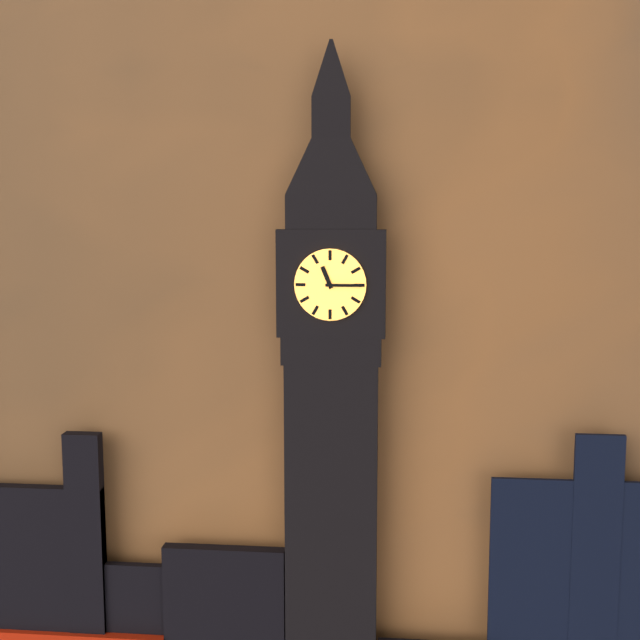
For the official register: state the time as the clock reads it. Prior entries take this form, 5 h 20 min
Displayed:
11 h 15 min
